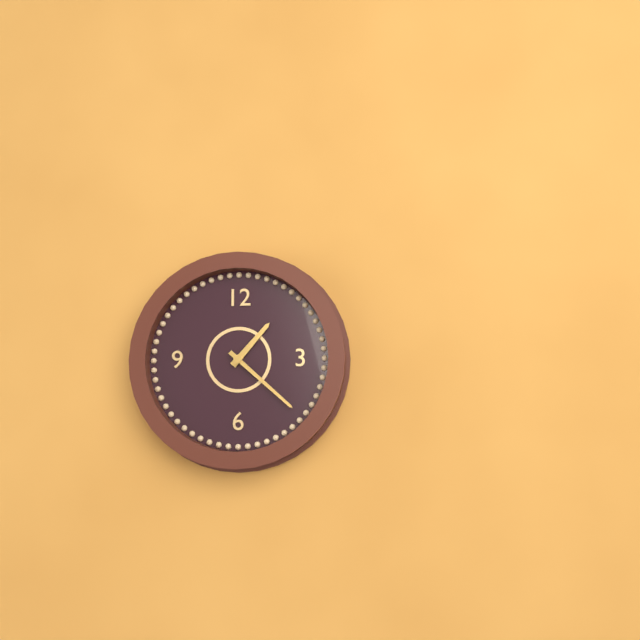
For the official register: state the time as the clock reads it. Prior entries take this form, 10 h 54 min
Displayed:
1 h 22 min
